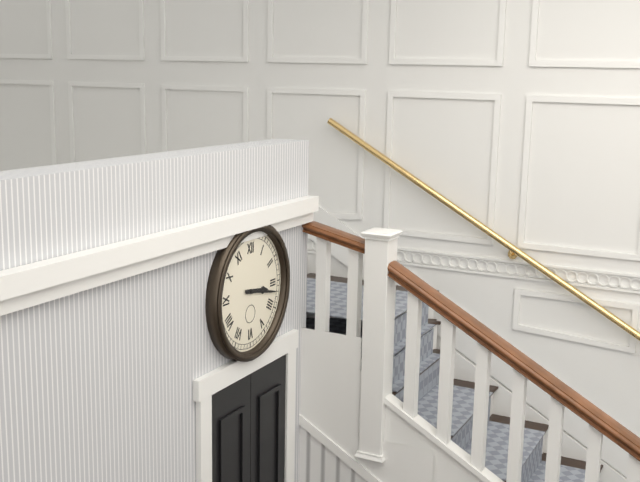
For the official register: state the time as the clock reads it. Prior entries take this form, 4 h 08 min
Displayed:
3 h 17 min
